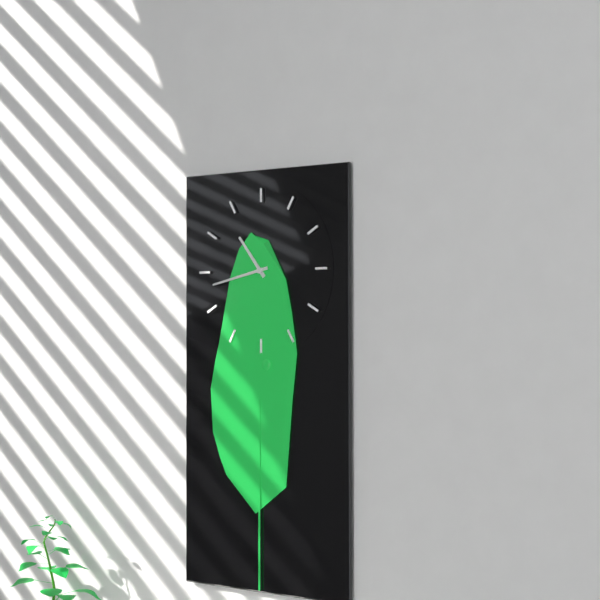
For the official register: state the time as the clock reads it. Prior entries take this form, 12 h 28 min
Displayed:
10 h 43 min
